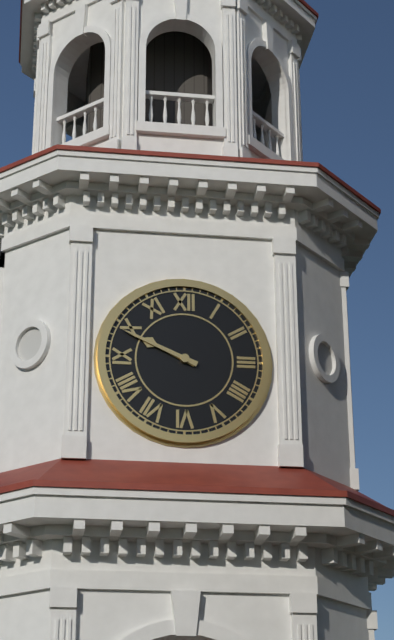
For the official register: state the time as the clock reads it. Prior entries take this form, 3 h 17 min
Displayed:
9 h 49 min
